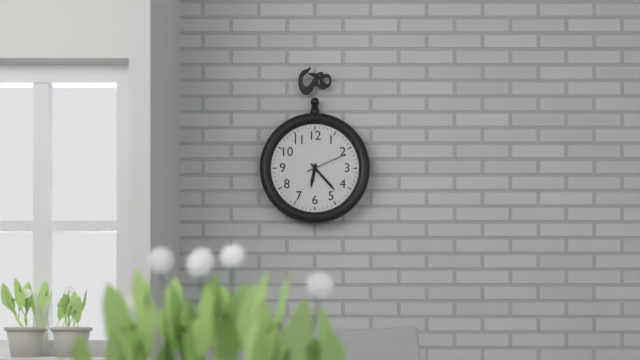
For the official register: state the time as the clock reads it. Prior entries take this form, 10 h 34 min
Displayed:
6 h 23 min
